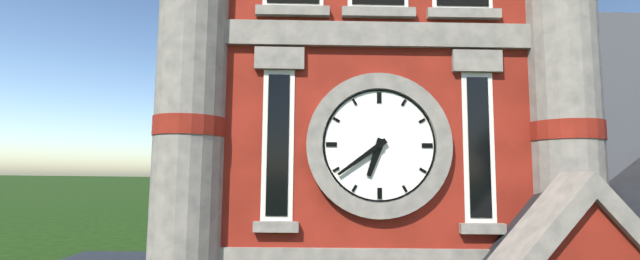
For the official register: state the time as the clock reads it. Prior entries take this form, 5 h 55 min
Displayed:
6 h 39 min
